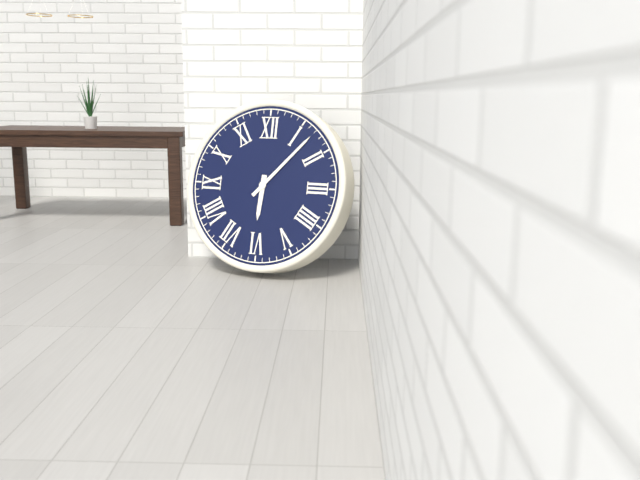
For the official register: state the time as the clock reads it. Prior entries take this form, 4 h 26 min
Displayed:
6 h 07 min
